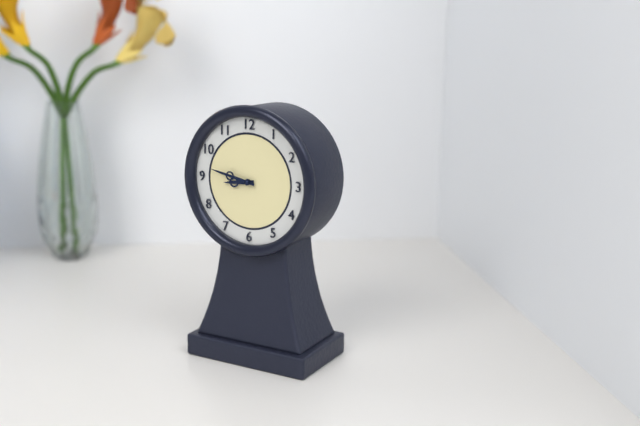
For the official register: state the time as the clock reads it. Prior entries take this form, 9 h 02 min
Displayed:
8 h 47 min
